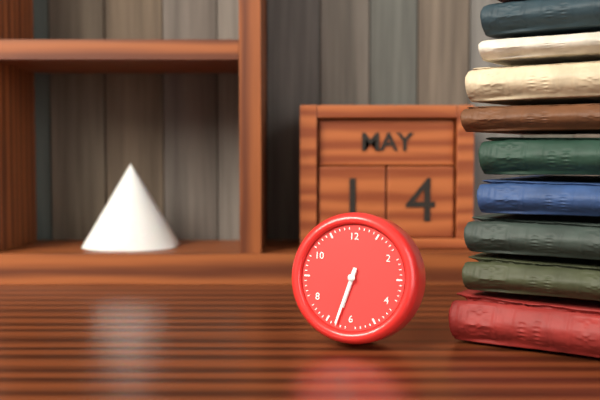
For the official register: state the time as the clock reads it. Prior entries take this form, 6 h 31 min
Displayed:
6 h 33 min
